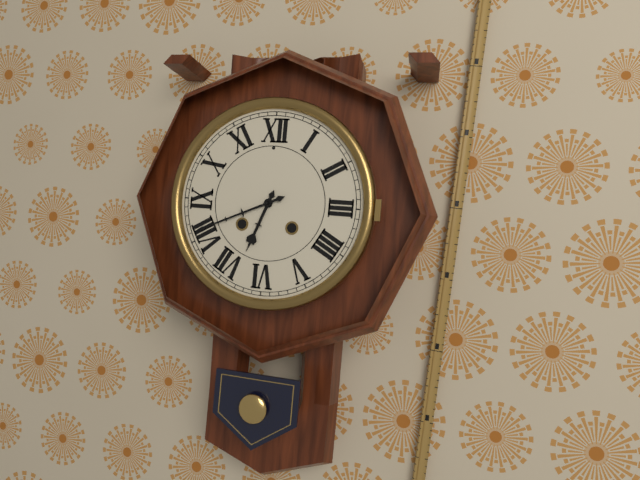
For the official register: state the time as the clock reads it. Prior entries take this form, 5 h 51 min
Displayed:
6 h 41 min
